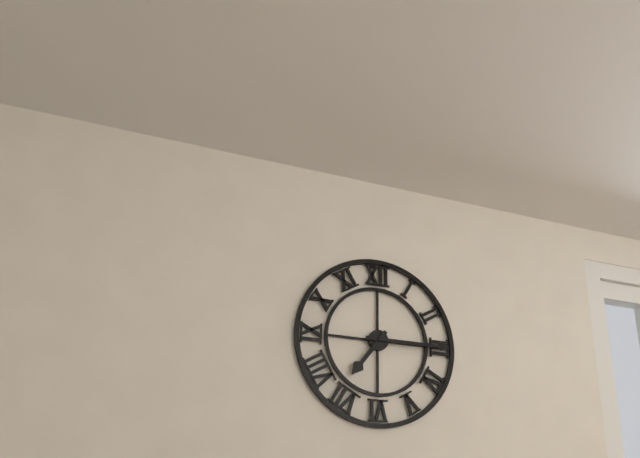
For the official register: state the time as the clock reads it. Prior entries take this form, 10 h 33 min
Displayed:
7 h 15 min
